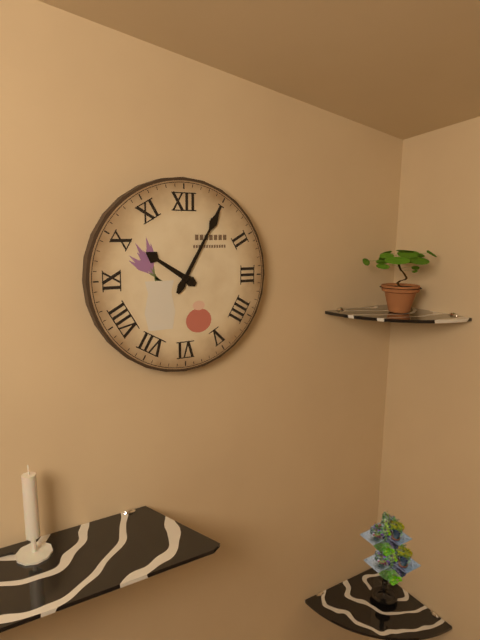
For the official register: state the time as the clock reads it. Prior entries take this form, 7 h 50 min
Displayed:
10 h 05 min
